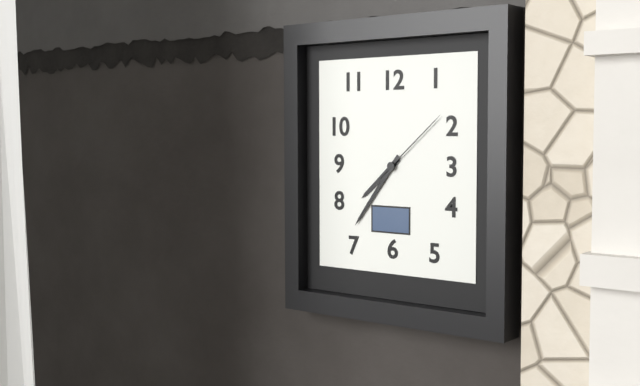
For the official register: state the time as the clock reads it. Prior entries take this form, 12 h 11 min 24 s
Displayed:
7 h 36 min 08 s
